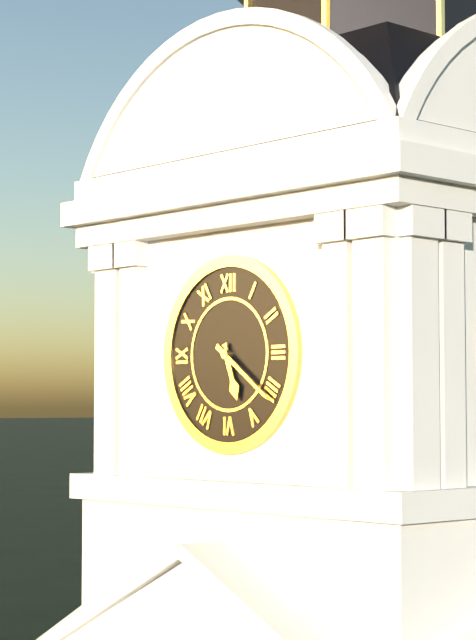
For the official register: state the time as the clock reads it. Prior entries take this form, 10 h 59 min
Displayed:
5 h 21 min
